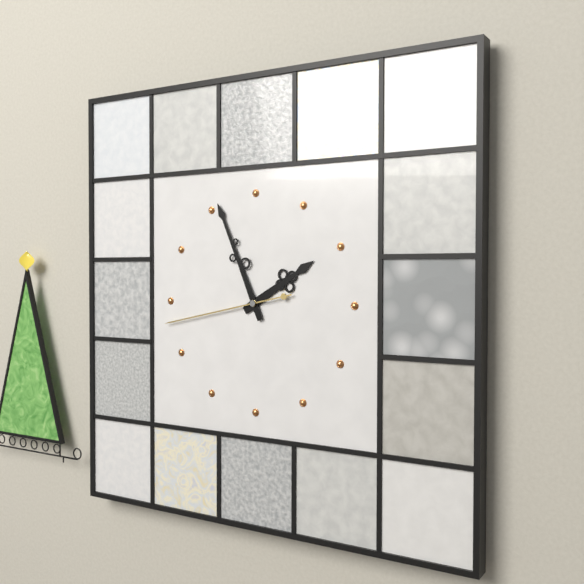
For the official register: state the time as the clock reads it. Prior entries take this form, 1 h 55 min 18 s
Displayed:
1 h 56 min 43 s
